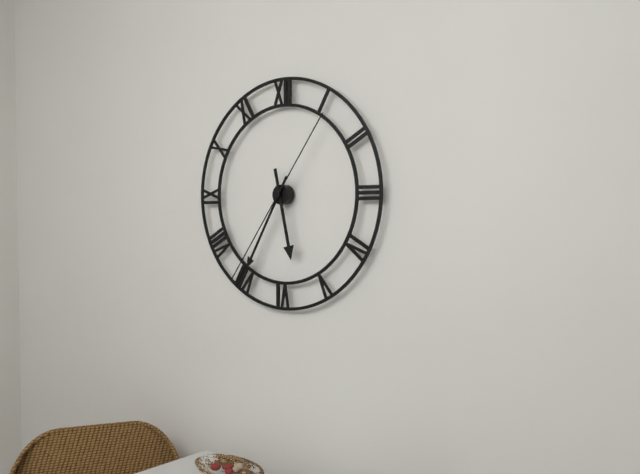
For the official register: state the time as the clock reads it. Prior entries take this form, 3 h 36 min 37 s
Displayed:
5 h 35 min 36 s
